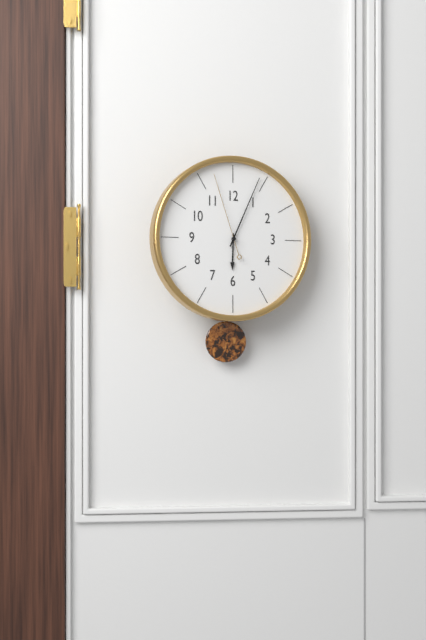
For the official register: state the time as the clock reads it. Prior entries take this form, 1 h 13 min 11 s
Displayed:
6 h 04 min 57 s
